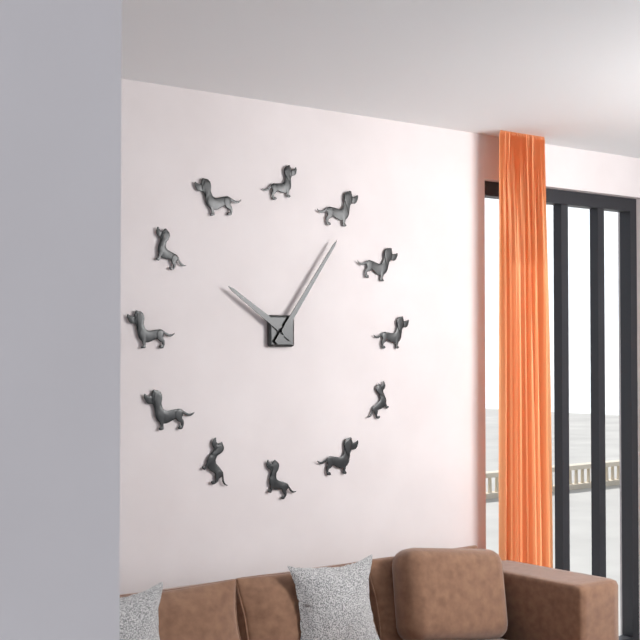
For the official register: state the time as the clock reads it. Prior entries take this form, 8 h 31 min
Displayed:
10 h 06 min
